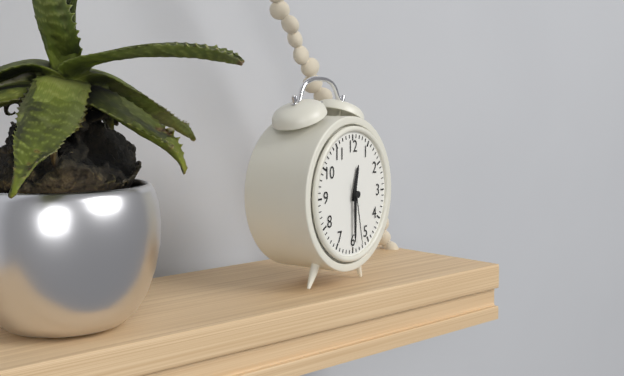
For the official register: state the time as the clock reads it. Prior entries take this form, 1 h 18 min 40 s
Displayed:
12 h 30 min 28 s
